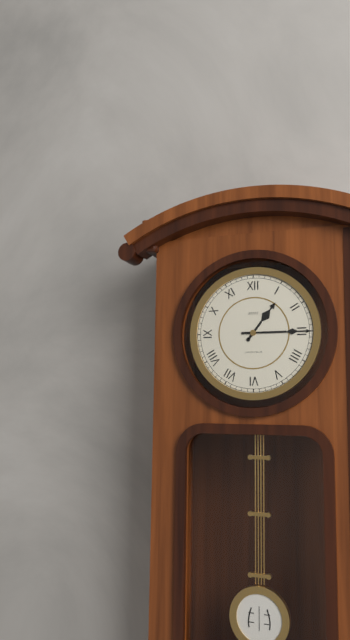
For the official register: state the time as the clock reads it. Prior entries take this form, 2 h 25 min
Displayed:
1 h 15 min
